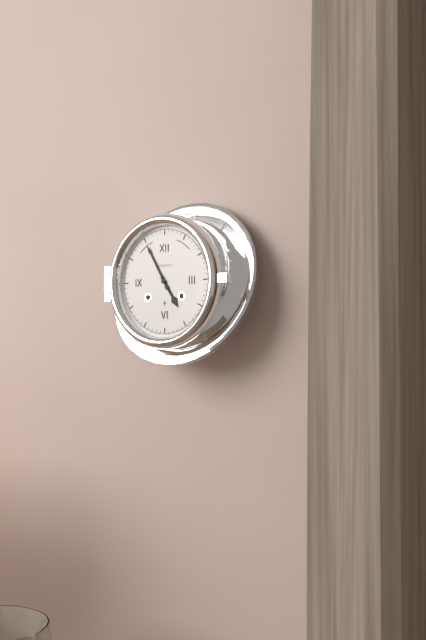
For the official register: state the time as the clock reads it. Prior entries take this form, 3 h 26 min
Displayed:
4 h 55 min
